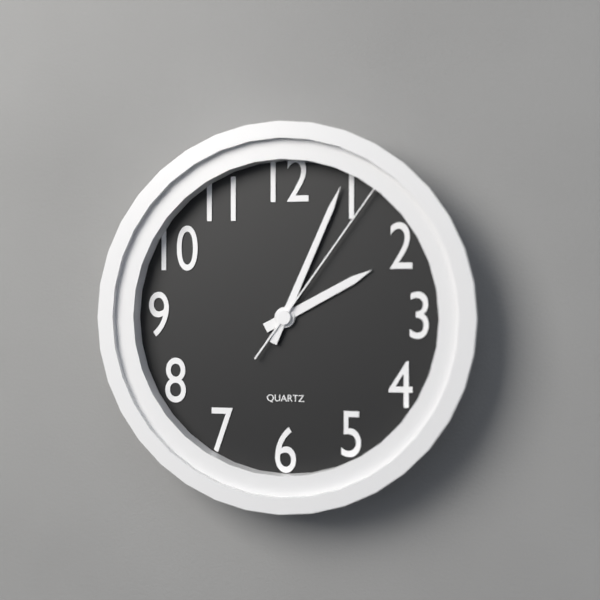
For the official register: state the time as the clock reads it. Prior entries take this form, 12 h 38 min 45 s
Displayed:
2 h 04 min 06 s
